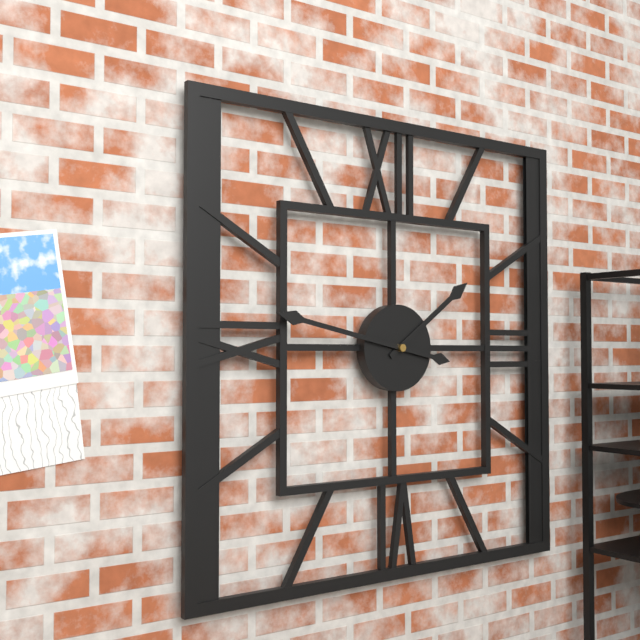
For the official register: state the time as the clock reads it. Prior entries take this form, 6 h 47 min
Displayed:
1 h 47 min
